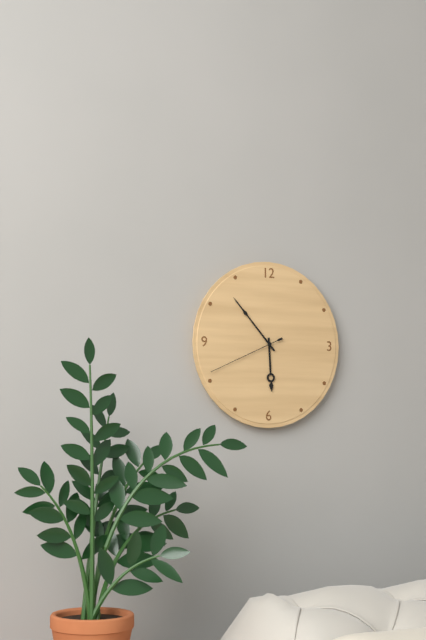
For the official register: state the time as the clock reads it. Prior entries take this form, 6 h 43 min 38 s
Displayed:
5 h 53 min 41 s
